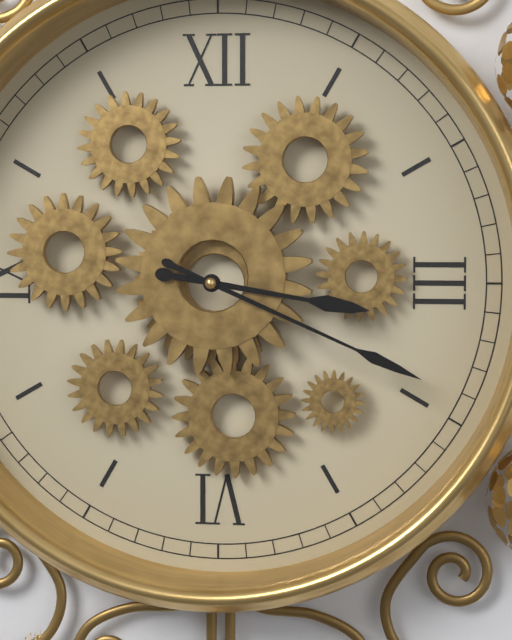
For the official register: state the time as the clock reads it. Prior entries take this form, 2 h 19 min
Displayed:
3 h 19 min
